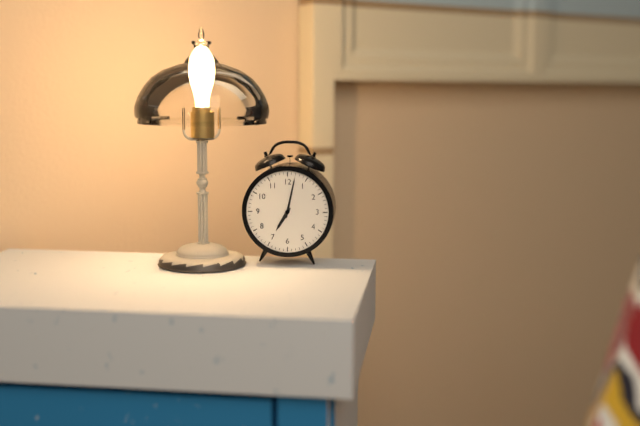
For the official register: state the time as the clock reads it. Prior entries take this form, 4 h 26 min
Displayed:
7 h 02 min
